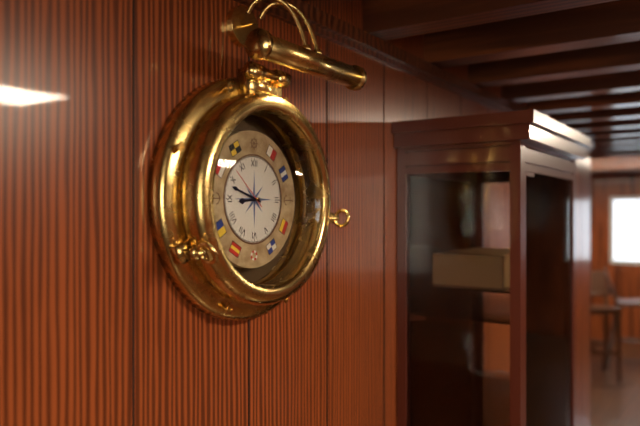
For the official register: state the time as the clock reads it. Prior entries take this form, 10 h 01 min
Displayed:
8 h 48 min
